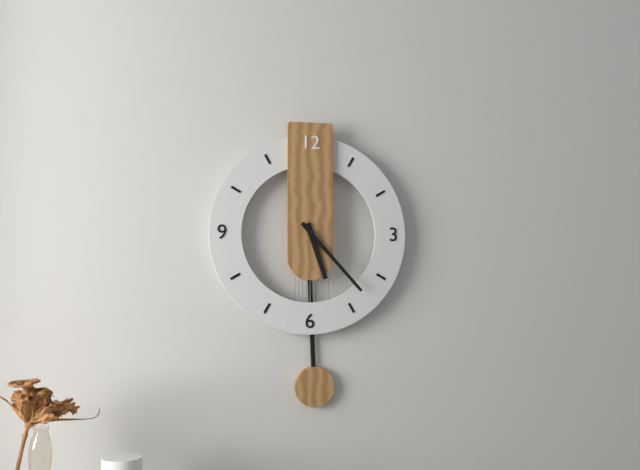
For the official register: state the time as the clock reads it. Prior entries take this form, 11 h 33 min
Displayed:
5 h 23 min
